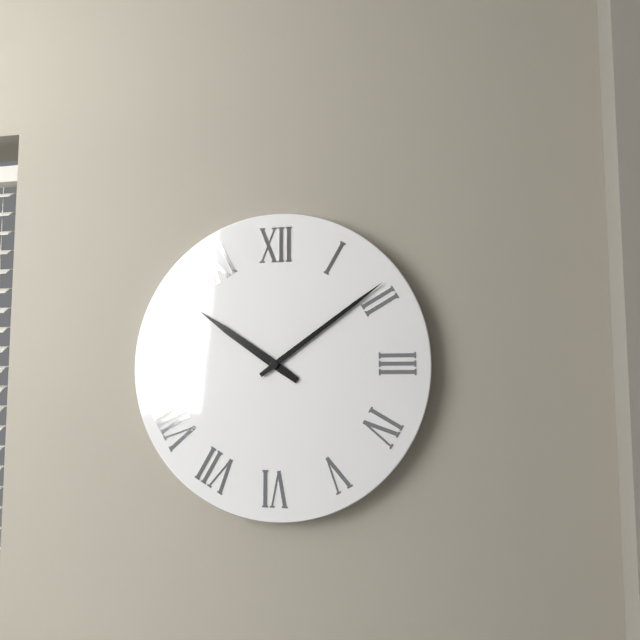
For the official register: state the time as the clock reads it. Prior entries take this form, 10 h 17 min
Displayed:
10 h 09 min
